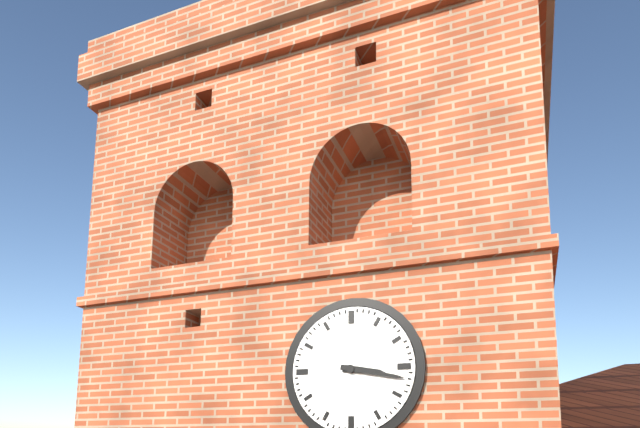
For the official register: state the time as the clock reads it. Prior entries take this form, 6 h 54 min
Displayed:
3 h 17 min
